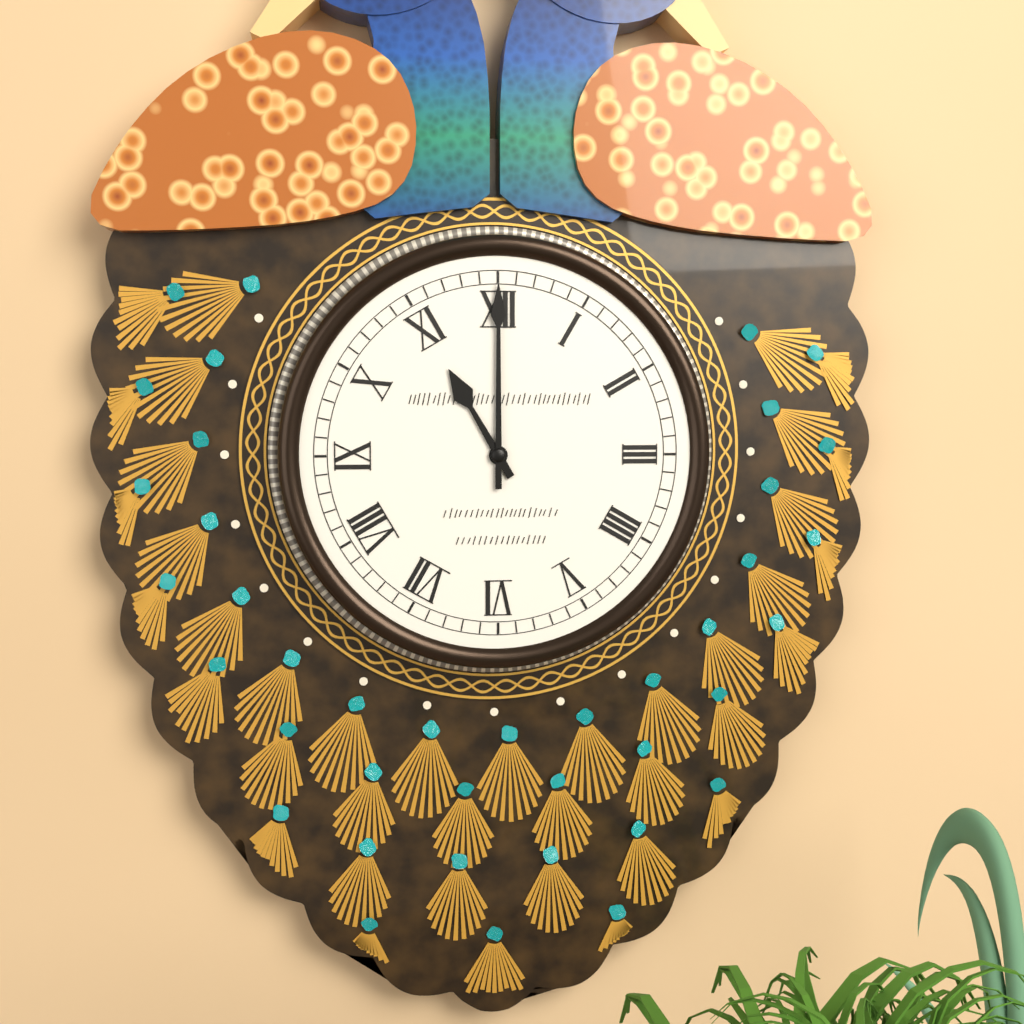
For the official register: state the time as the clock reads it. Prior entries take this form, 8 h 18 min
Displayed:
11 h 00 min
